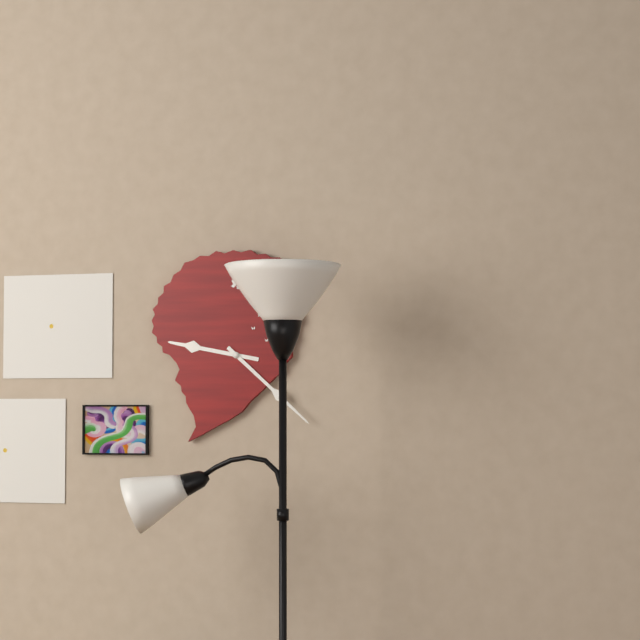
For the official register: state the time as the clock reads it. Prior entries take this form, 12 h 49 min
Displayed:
9 h 22 min
